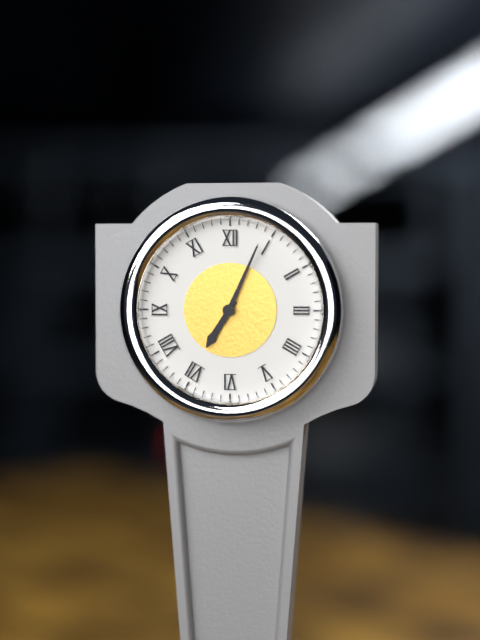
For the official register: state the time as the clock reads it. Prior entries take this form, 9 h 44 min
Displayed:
7 h 04 min
